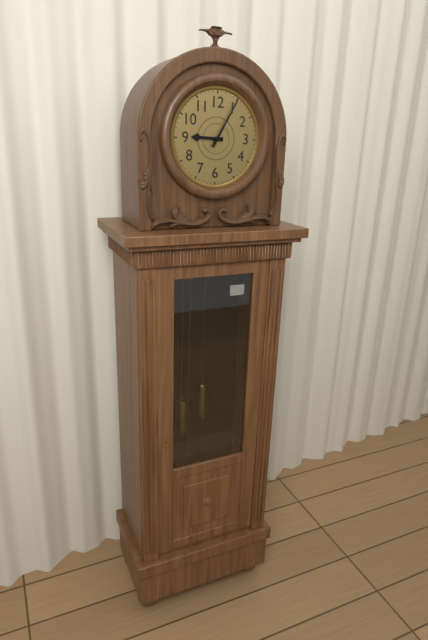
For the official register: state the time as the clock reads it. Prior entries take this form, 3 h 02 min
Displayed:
9 h 05 min
